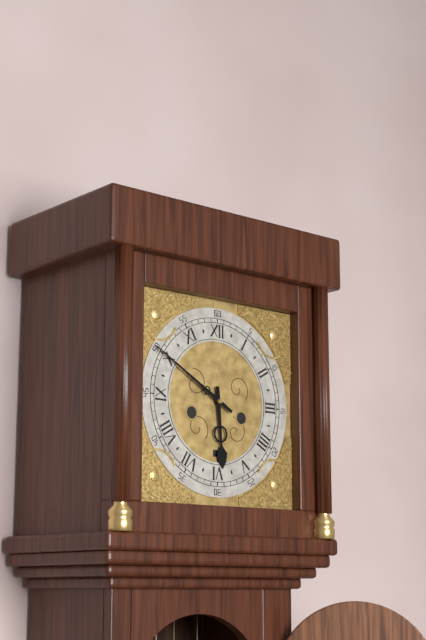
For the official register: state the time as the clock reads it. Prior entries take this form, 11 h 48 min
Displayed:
5 h 50 min
